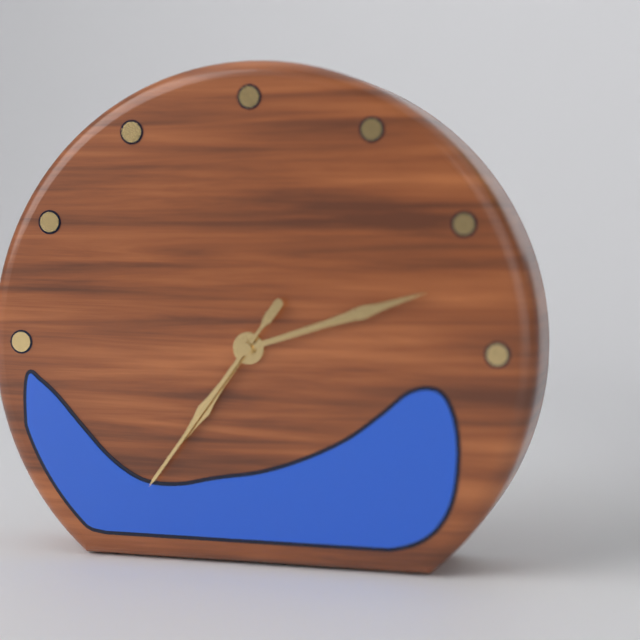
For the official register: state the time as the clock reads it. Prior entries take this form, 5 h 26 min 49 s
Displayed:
7 h 12 min 36 s
